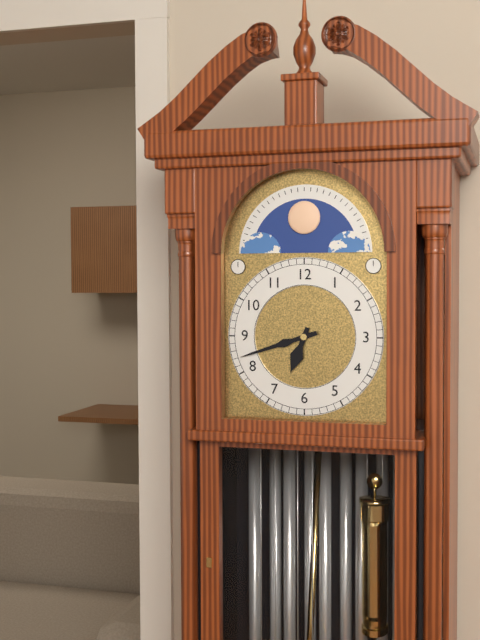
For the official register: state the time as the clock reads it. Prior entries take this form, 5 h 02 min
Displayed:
6 h 42 min
